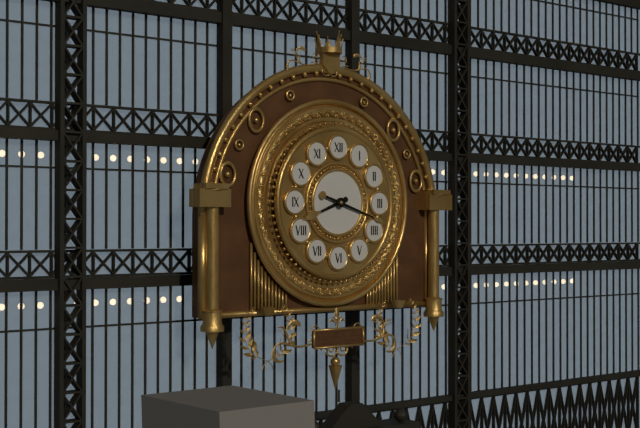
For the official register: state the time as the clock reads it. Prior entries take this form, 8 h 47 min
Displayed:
8 h 18 min
